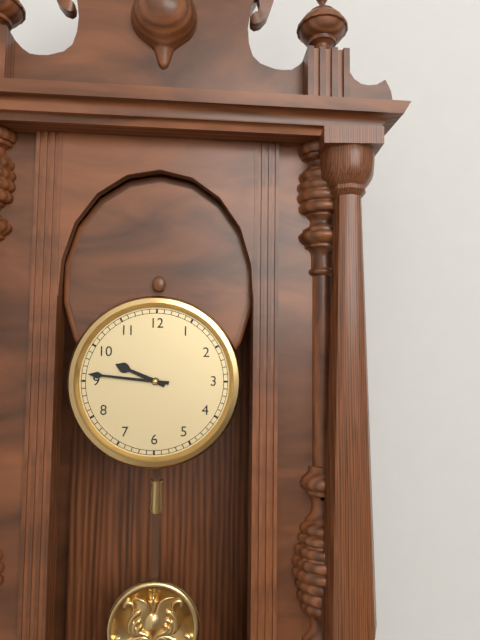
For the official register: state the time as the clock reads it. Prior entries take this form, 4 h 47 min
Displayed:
9 h 46 min
